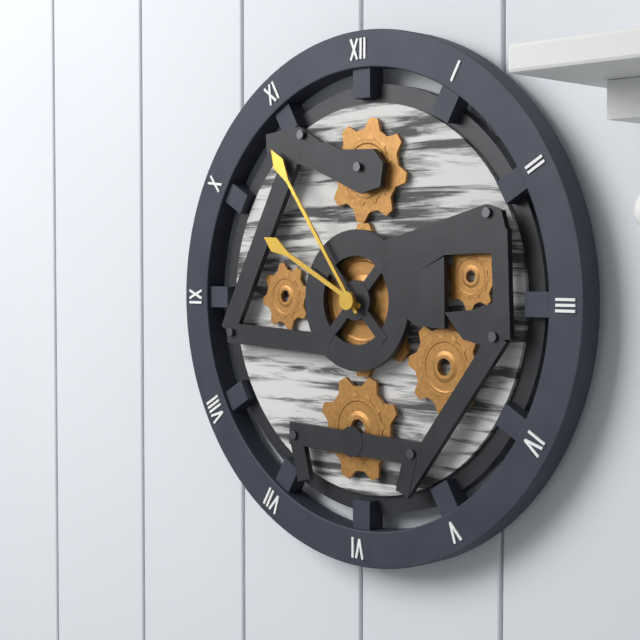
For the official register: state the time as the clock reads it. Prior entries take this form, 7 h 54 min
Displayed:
9 h 54 min
